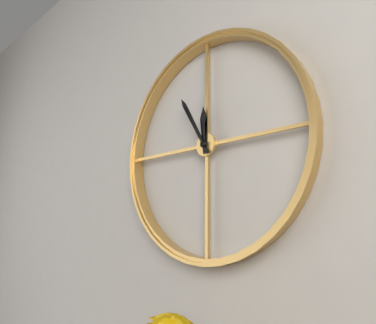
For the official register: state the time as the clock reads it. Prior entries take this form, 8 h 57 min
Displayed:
11 h 55 min
